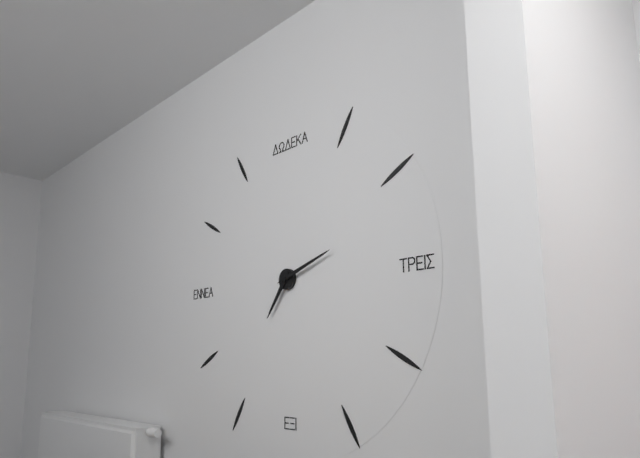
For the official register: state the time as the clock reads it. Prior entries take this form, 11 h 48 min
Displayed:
7 h 12 min
